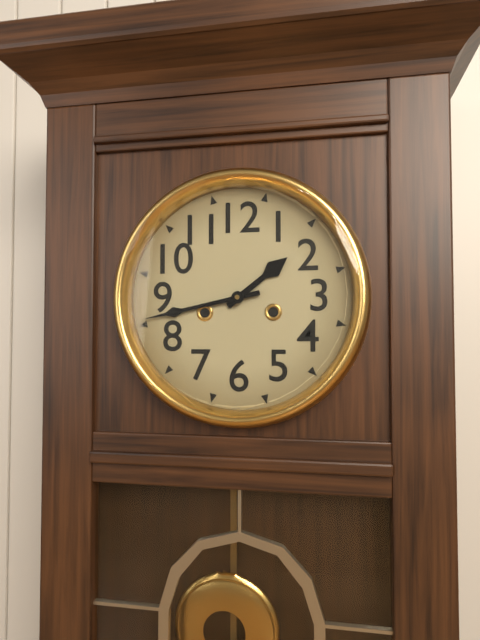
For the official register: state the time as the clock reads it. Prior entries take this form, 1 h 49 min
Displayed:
1 h 43 min
